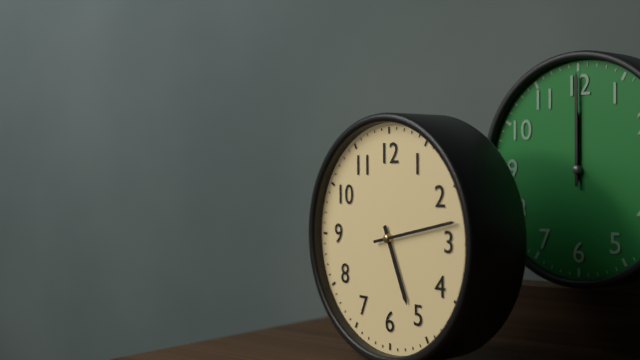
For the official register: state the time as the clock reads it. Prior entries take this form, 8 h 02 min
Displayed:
5 h 13 min
